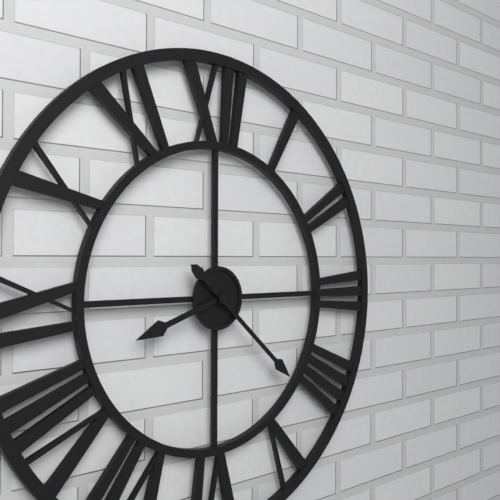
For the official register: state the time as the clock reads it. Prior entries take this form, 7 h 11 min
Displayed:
8 h 22 min
